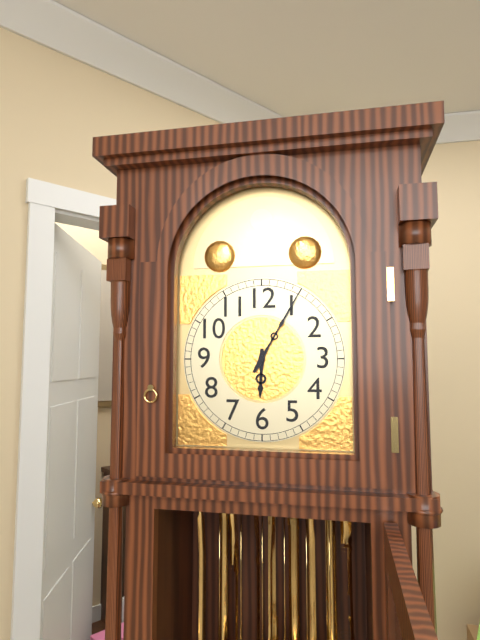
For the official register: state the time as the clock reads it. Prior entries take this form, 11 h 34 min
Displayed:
6 h 05 min
